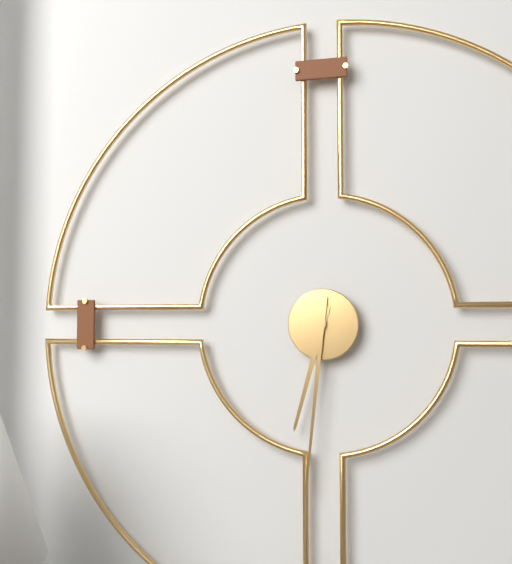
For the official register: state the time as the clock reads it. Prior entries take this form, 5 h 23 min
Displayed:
6 h 31 min
